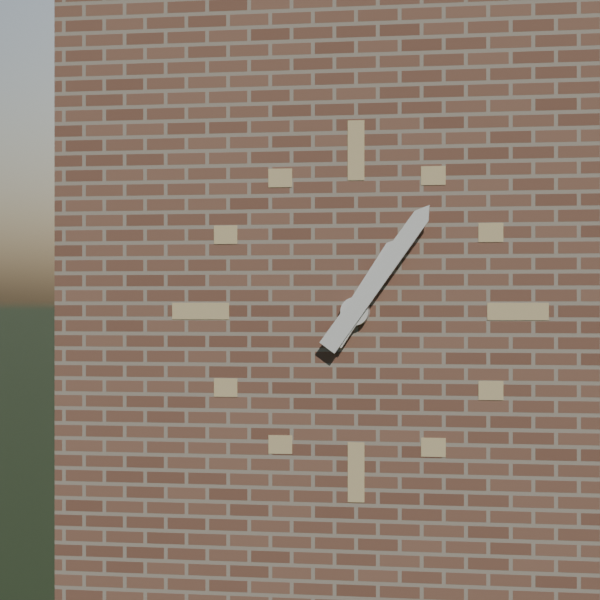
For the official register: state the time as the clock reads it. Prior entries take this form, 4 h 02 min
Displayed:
1 h 06 min
